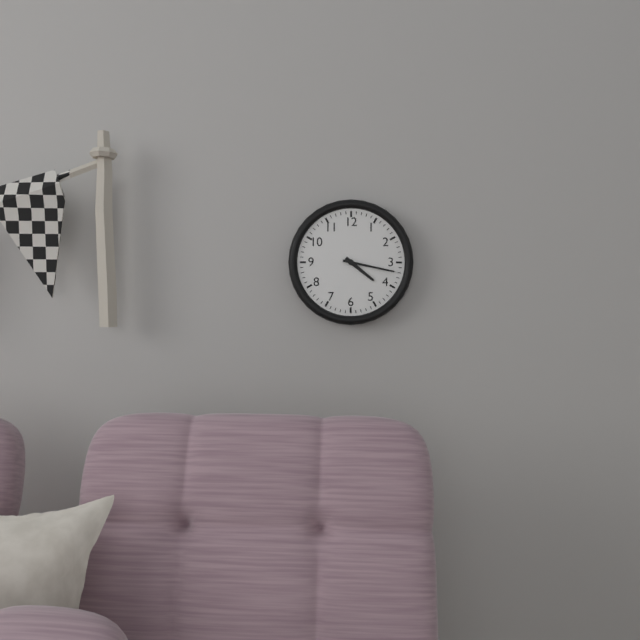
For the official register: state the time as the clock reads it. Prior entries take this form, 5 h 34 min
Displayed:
4 h 17 min
